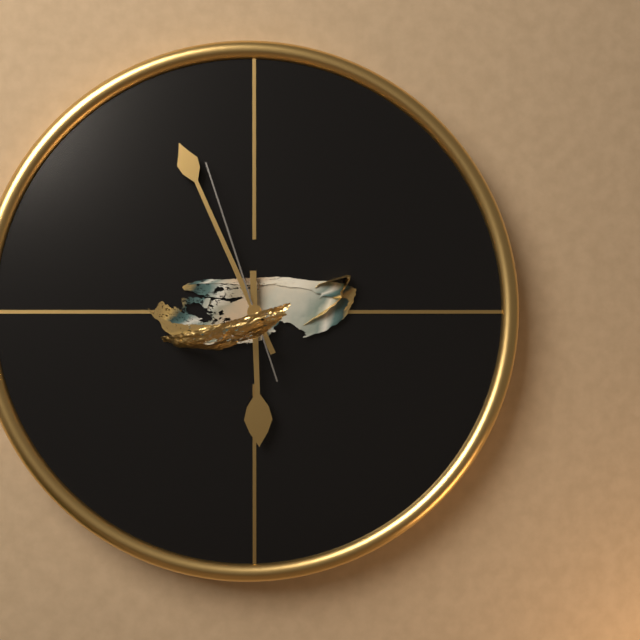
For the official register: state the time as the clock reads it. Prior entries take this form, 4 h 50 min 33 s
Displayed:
5 h 56 min 57 s
